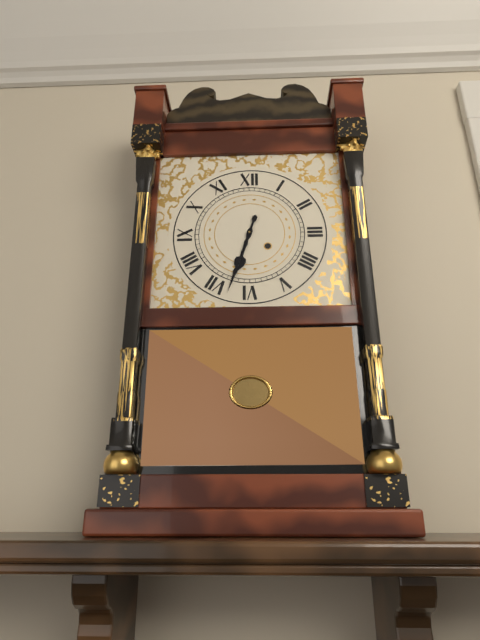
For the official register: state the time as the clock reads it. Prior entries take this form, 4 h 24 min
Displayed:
6 h 33 min
